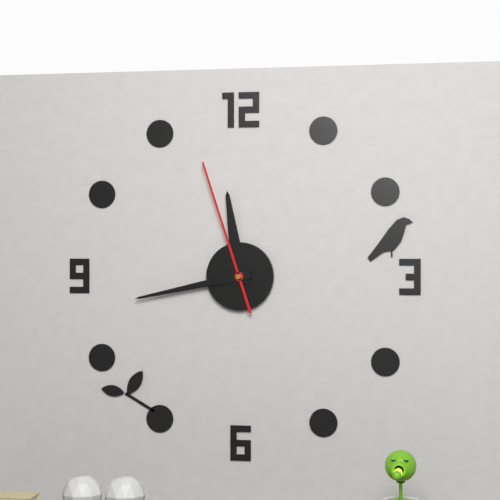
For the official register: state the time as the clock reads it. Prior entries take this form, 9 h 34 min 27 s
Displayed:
11 h 43 min 57 s
